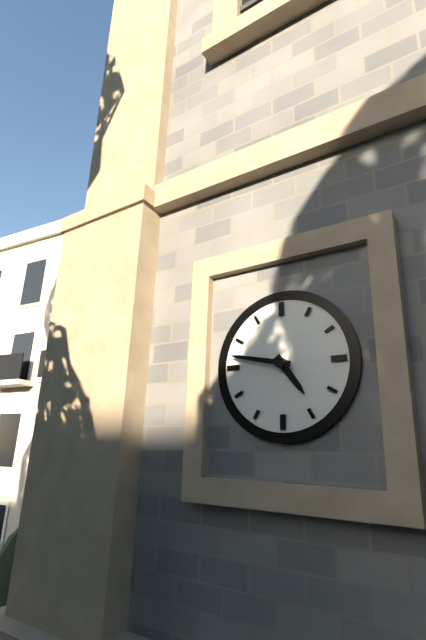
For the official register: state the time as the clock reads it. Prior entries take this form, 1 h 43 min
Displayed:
4 h 47 min
